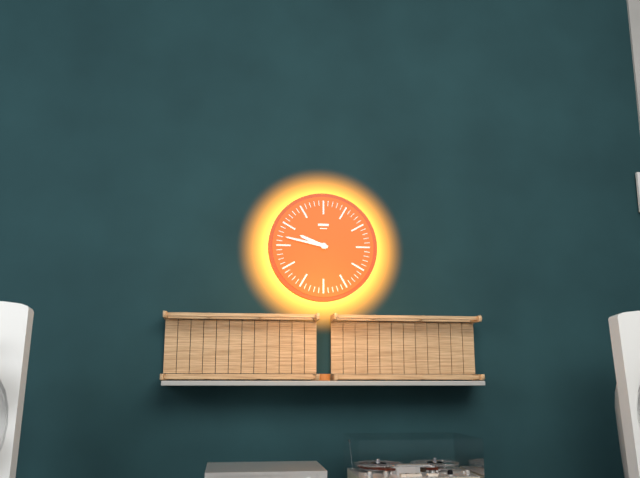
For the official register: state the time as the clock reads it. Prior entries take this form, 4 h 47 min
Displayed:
9 h 47 min
